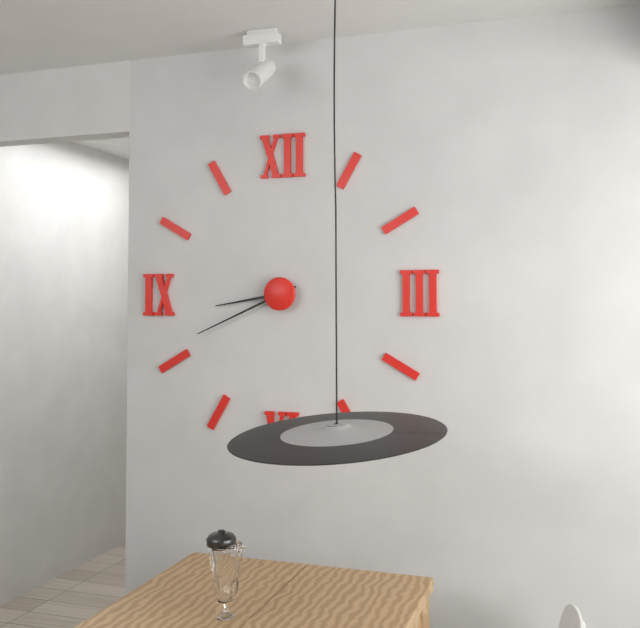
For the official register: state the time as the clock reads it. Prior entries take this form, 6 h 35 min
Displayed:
8 h 41 min
